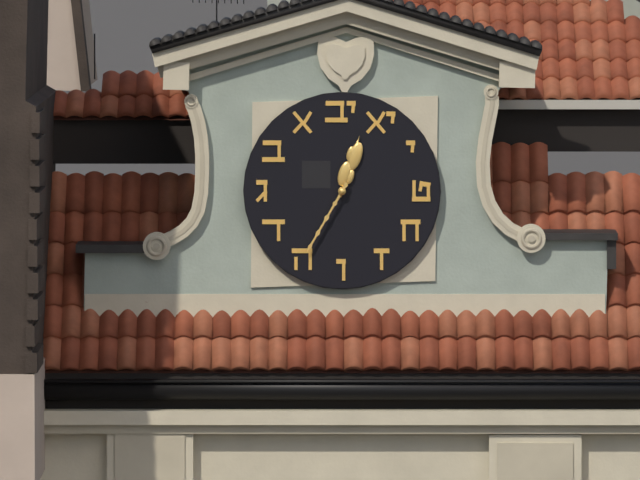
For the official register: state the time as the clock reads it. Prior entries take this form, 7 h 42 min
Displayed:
12 h 35 min
